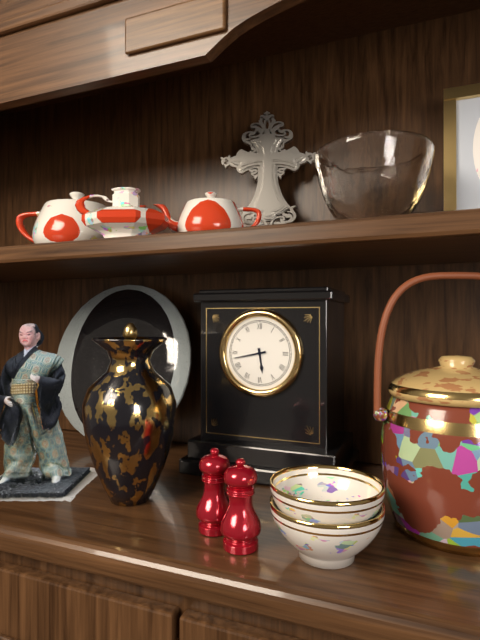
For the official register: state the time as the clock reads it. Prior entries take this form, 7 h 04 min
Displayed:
5 h 43 min
